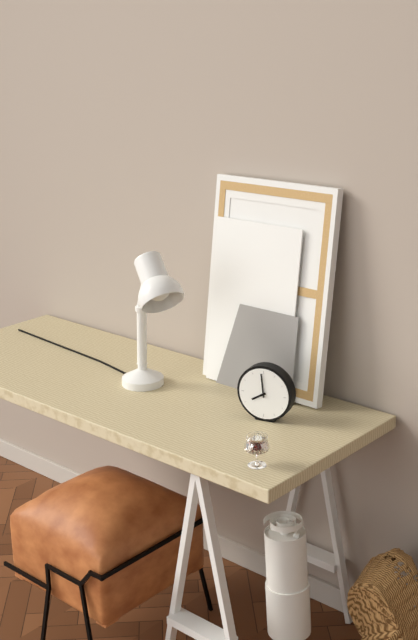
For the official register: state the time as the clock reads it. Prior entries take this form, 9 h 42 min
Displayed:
7 h 59 min
